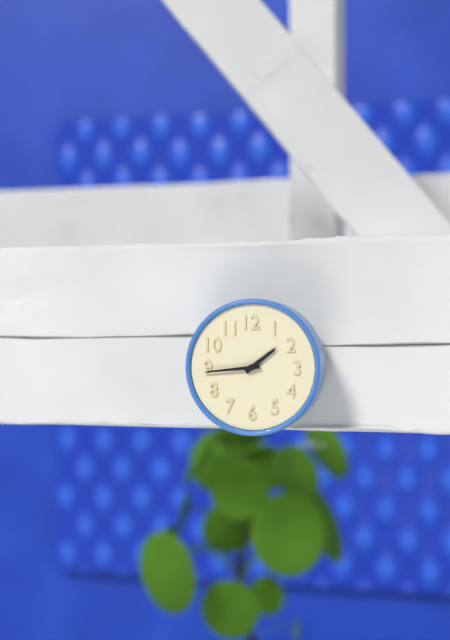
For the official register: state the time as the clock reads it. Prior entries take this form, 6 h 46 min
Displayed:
1 h 44 min
